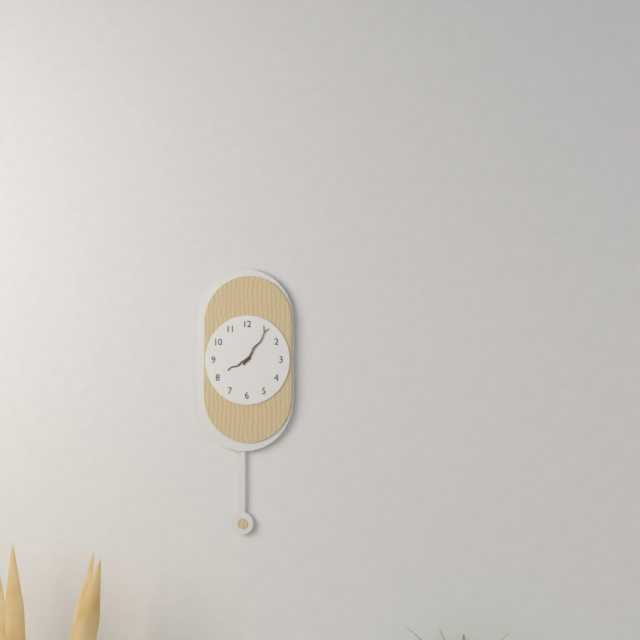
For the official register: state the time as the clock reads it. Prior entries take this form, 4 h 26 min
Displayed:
8 h 06 min
